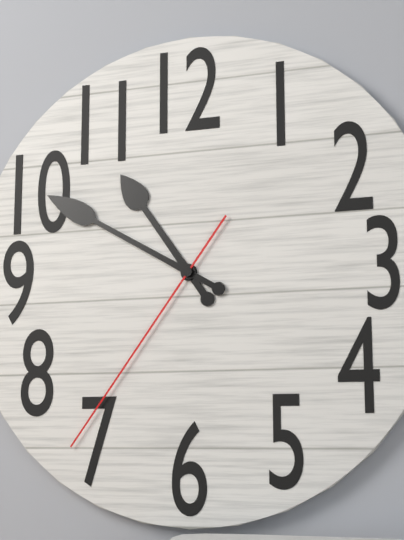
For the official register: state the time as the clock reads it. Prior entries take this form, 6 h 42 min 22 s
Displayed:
10 h 50 min 36 s
